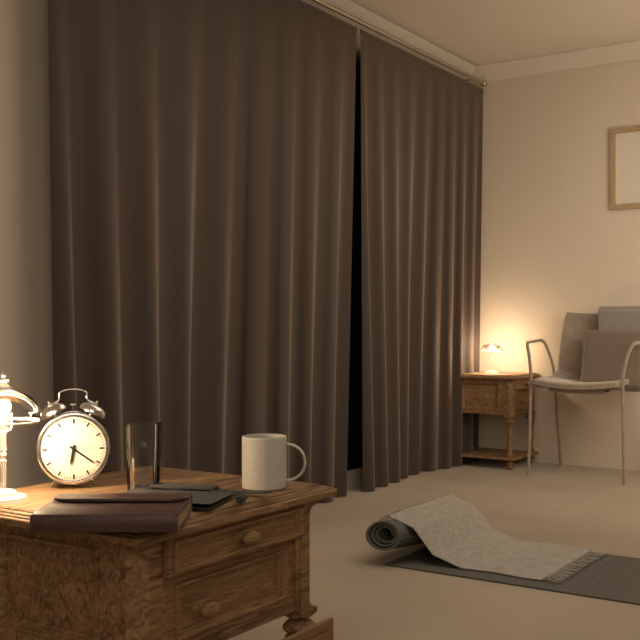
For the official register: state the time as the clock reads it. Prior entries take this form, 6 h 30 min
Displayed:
6 h 21 min
